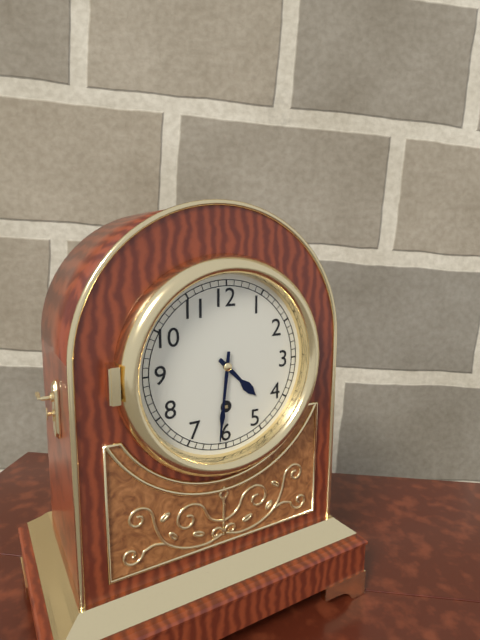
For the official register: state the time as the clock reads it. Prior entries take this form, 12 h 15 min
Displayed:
4 h 31 min
